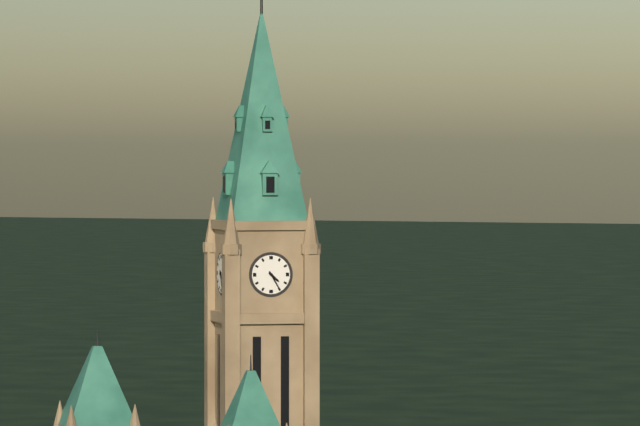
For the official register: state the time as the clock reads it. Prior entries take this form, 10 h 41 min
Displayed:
4 h 25 min
